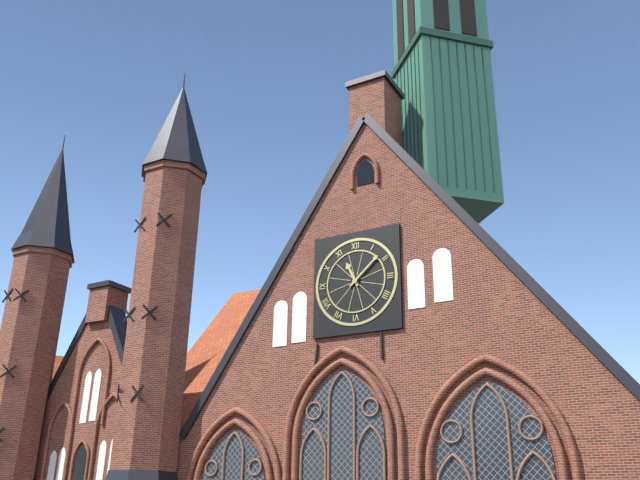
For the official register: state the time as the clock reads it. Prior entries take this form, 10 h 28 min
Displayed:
11 h 08 min
